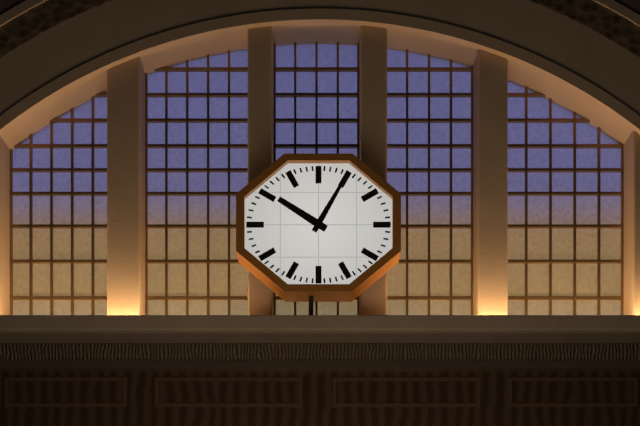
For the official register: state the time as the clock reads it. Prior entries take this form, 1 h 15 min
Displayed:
10 h 05 min
